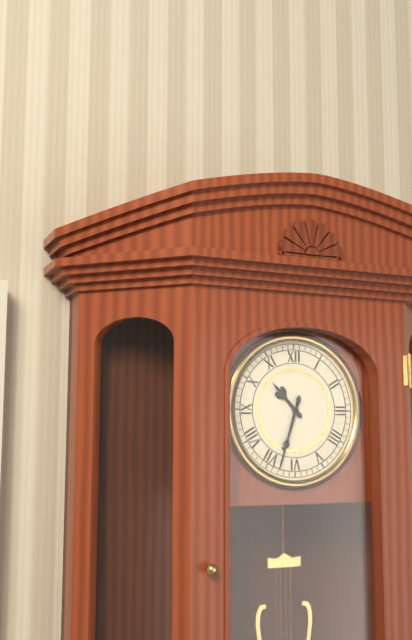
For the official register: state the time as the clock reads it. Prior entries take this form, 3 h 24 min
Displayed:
10 h 33 min
